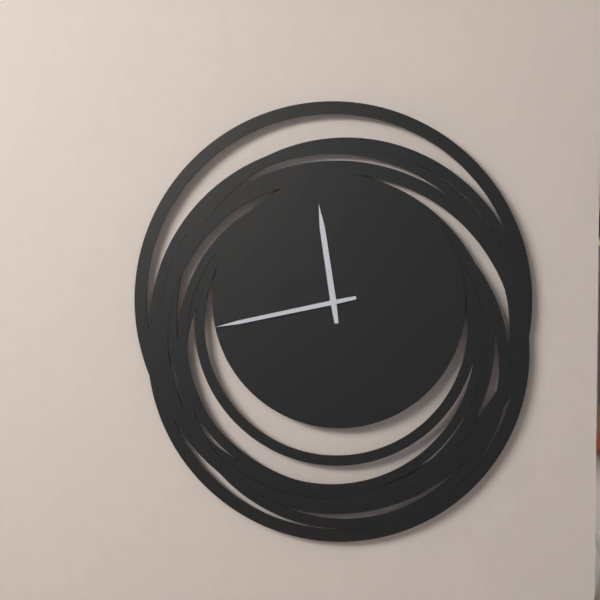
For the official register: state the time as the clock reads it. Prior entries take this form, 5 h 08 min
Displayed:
11 h 43 min
